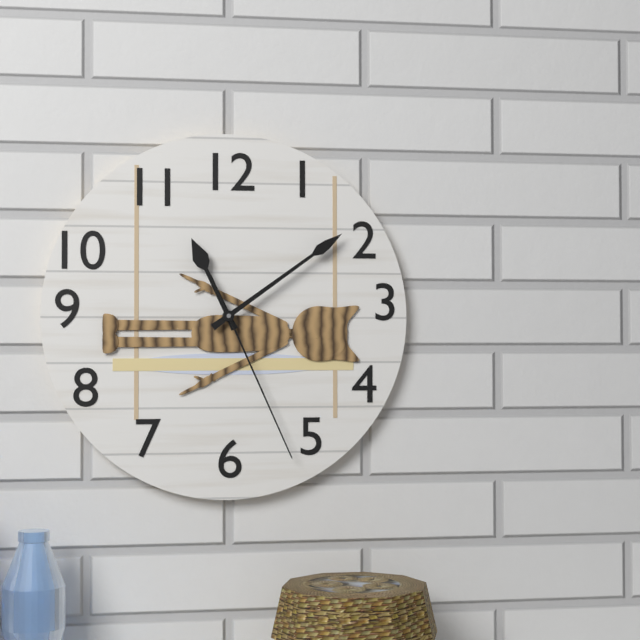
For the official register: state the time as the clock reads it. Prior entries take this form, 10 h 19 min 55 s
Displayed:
11 h 09 min 26 s
